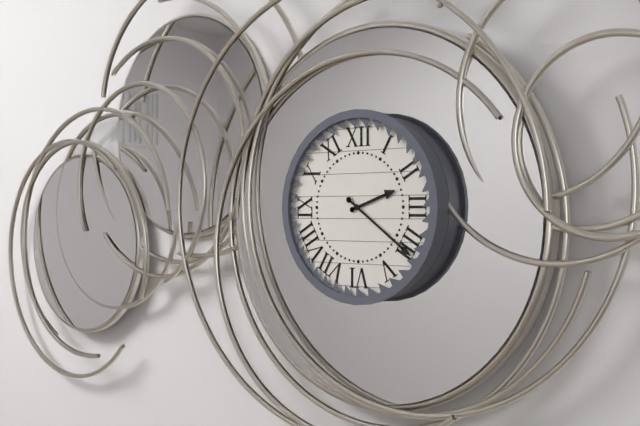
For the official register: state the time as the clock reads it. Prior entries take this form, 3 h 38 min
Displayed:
2 h 21 min
